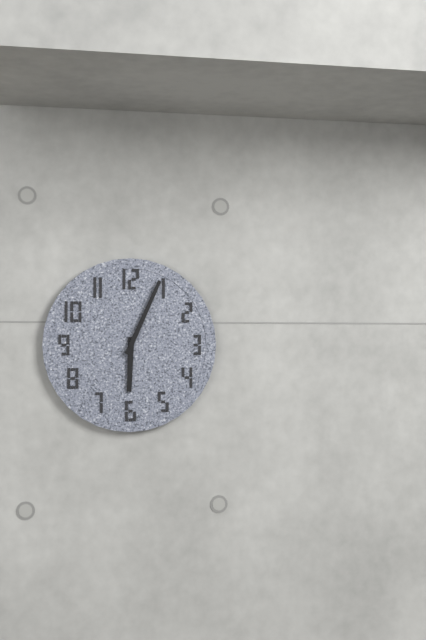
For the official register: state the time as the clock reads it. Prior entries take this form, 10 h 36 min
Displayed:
6 h 04 min
